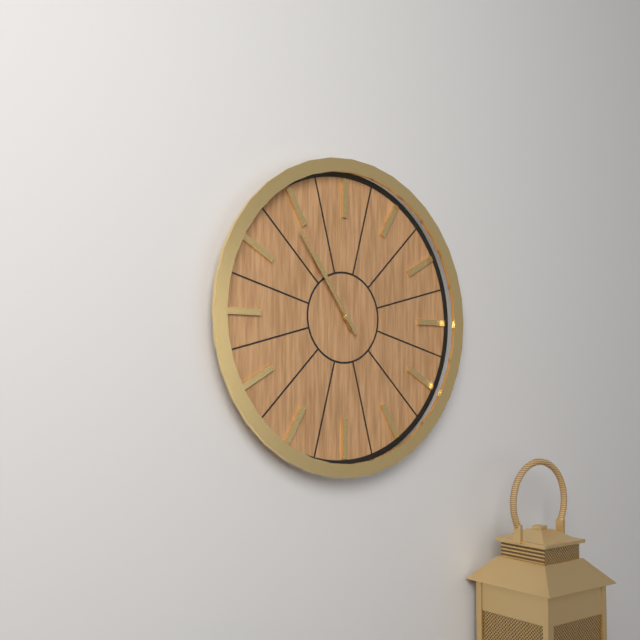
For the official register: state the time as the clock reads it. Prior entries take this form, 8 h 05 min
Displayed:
10 h 54 min
